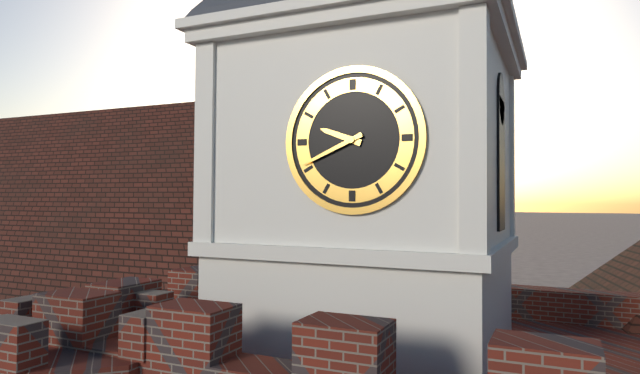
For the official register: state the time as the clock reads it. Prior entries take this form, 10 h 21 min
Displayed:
9 h 41 min
